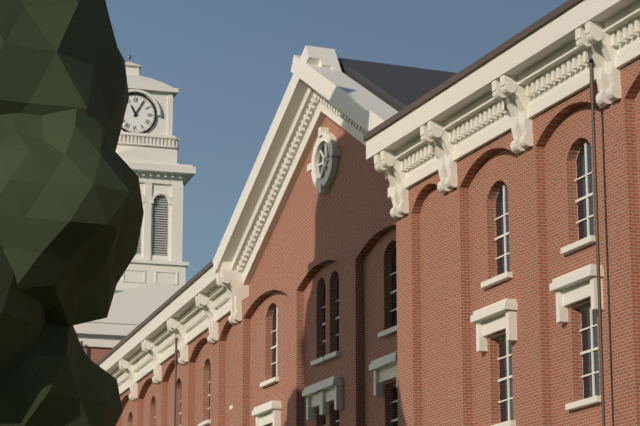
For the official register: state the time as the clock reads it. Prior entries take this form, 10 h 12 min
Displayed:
11 h 05 min
